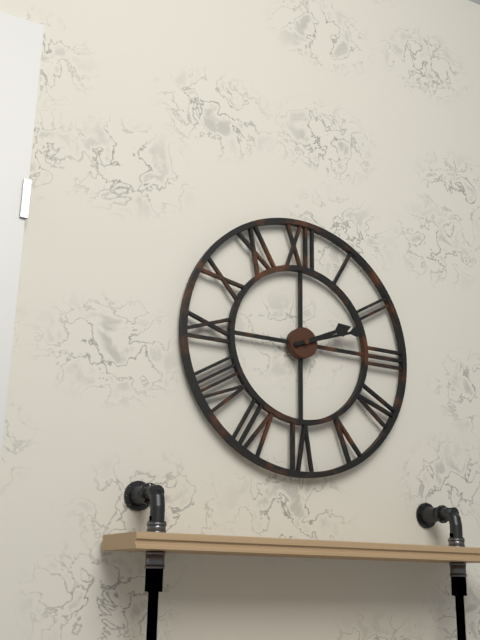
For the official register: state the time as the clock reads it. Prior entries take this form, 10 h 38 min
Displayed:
2 h 12 min
